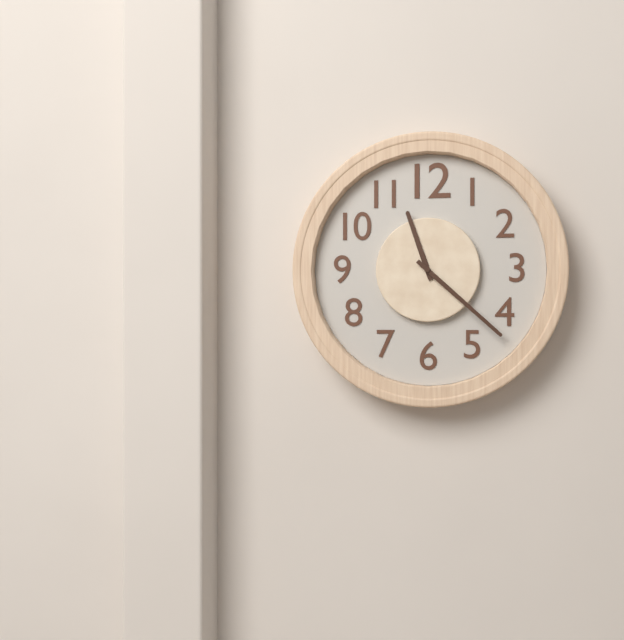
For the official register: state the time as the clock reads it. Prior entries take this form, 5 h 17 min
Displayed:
11 h 22 min
